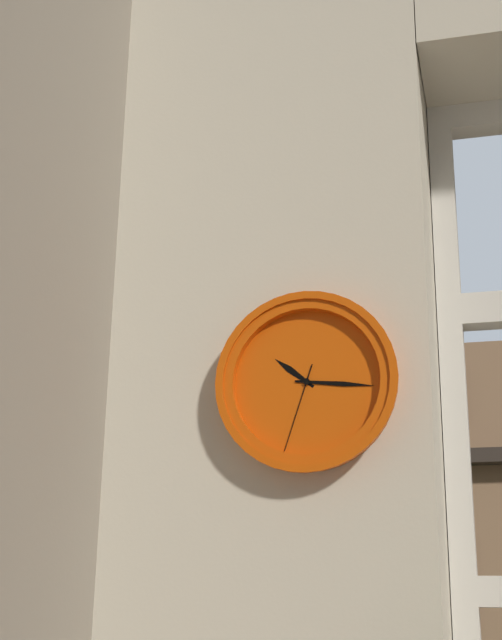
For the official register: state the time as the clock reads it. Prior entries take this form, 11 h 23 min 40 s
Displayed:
10 h 16 min 33 s
